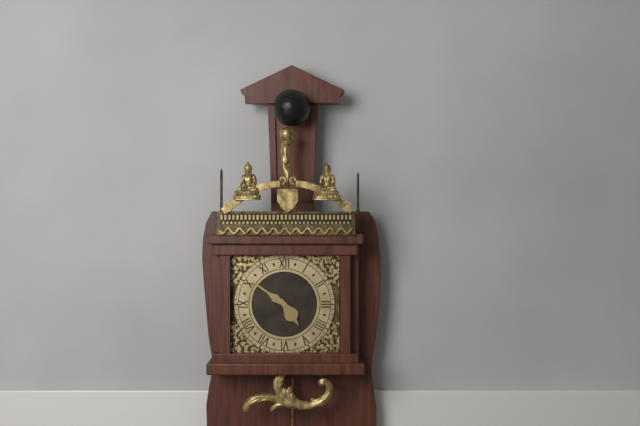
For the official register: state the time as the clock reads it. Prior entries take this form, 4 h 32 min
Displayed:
4 h 51 min
